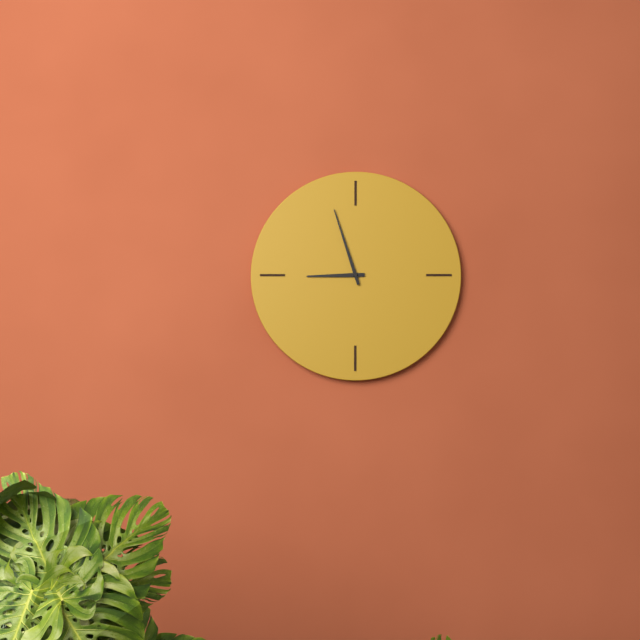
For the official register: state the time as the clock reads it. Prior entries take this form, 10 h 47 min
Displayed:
8 h 57 min
